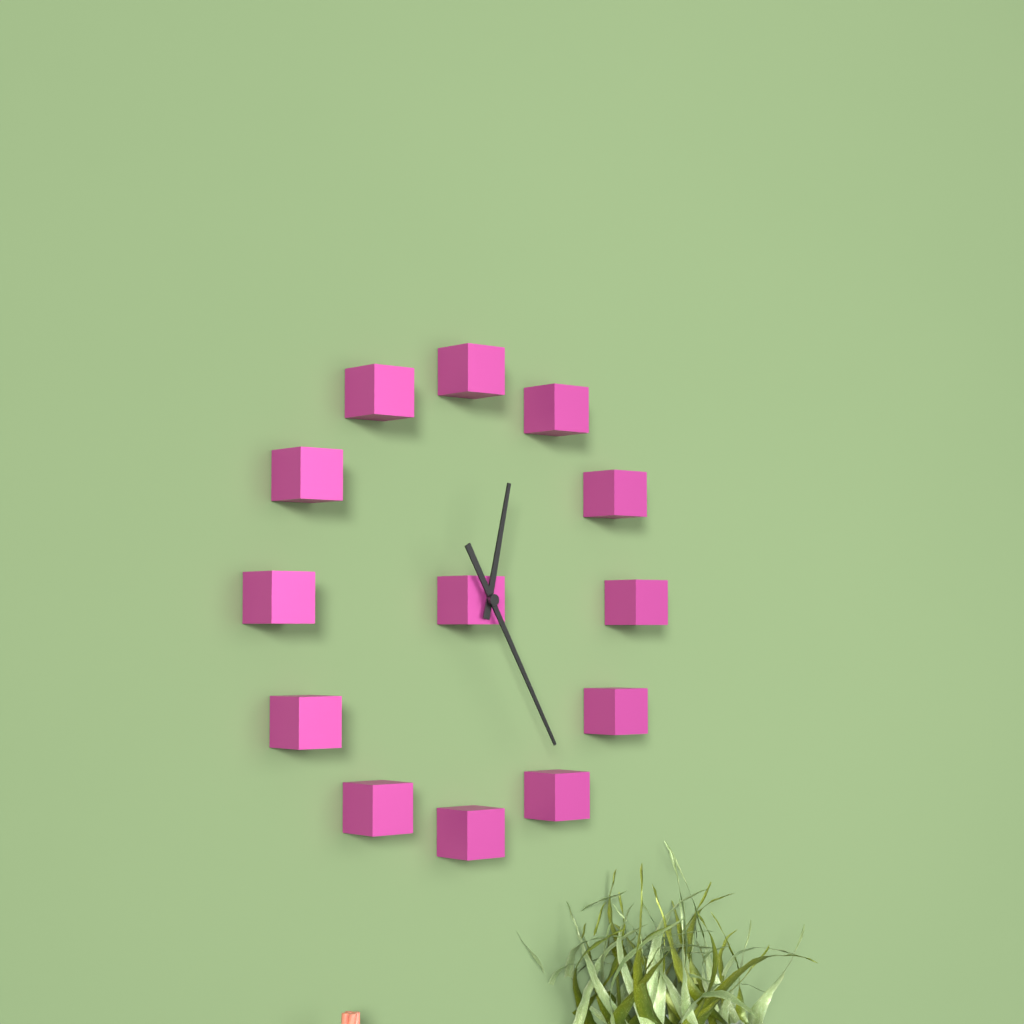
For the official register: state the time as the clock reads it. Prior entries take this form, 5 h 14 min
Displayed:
12 h 25 min
